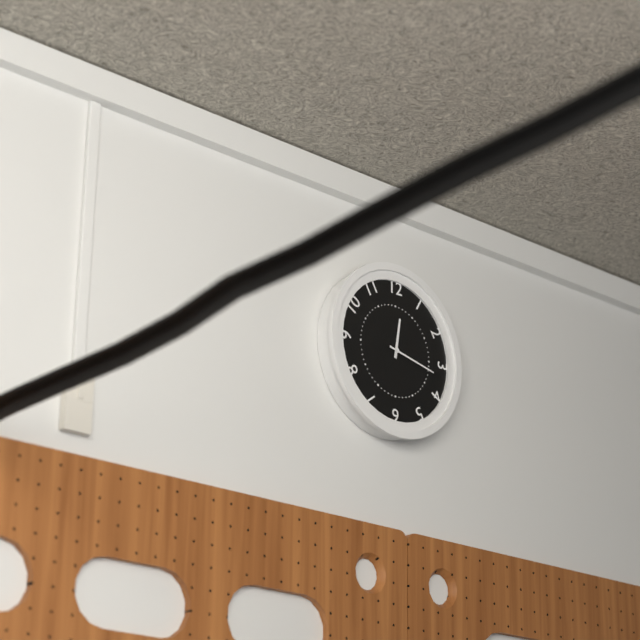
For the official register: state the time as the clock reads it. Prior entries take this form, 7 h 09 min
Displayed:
12 h 17 min
